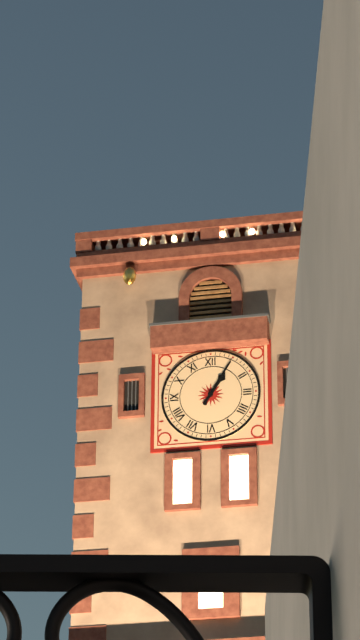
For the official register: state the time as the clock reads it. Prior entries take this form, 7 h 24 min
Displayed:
1 h 05 min
